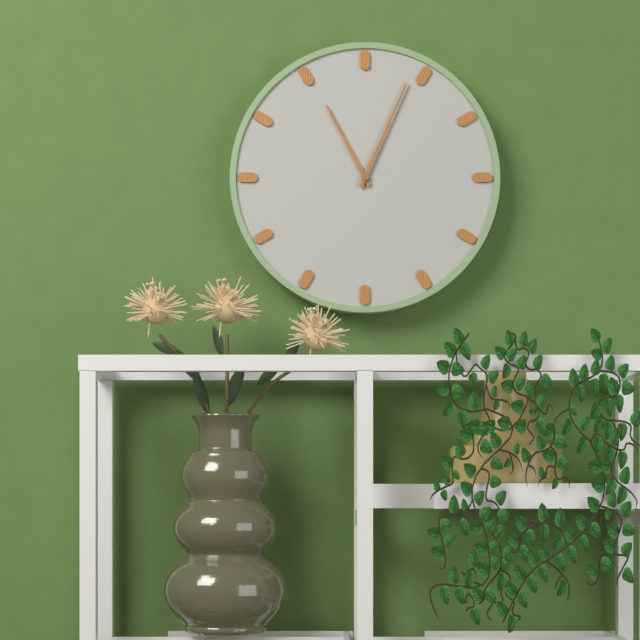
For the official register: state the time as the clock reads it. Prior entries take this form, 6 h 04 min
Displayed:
11 h 04 min
